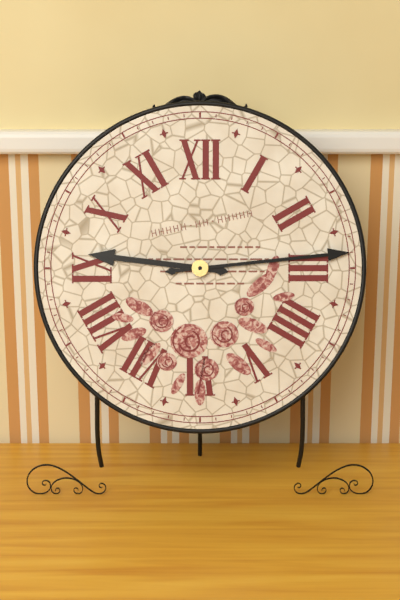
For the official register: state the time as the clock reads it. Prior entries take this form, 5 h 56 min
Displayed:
9 h 14 min
